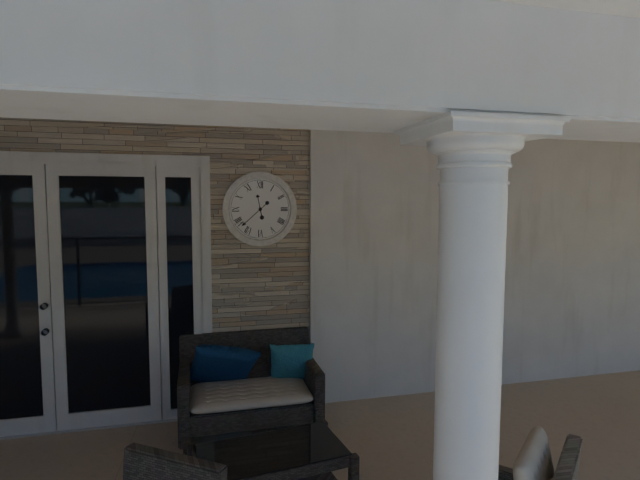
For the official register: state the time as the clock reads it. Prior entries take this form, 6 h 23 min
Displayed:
11 h 38 min
